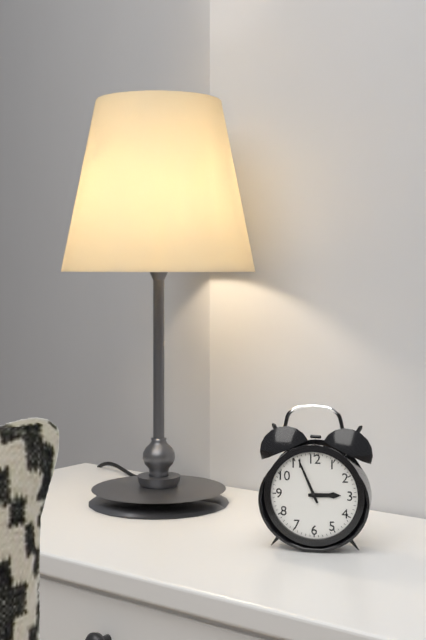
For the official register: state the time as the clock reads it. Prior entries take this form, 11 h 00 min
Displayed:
2 h 56 min
